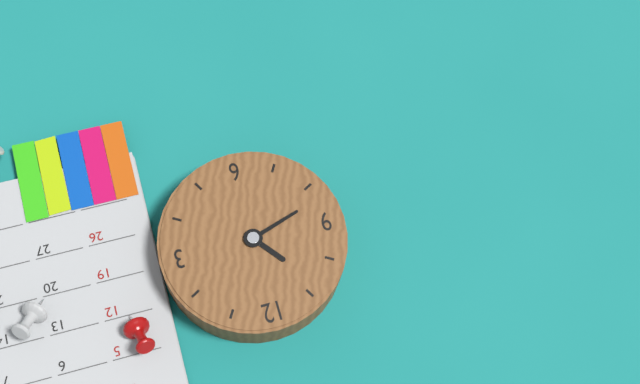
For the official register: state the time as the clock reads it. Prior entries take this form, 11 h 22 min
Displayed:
10 h 42 min
